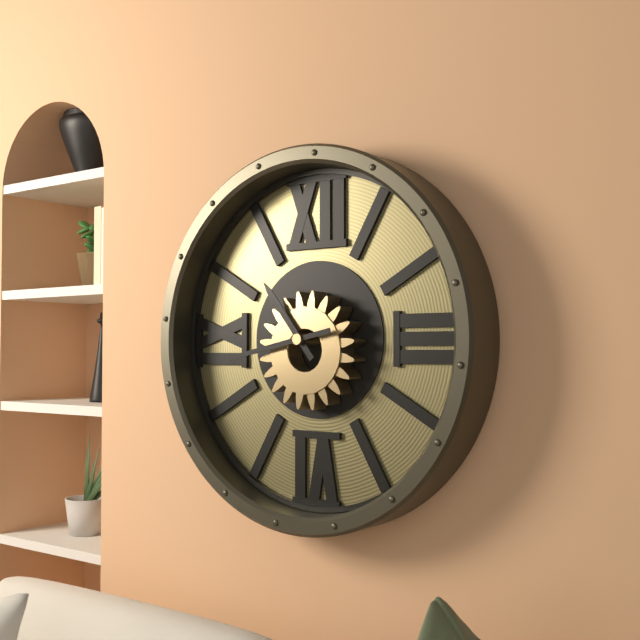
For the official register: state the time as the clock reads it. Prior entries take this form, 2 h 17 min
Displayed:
10 h 43 min
